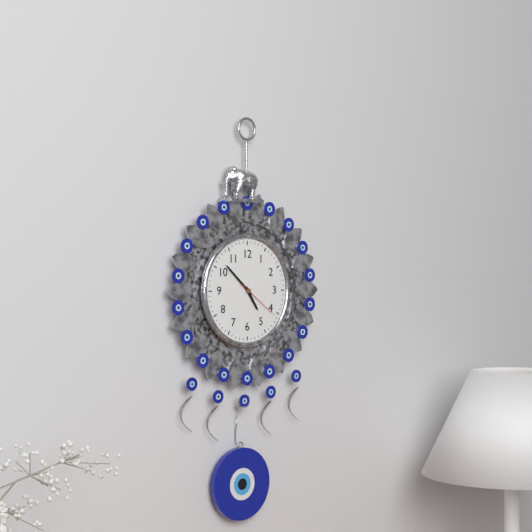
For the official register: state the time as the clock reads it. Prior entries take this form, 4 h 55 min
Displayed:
4 h 52 min
